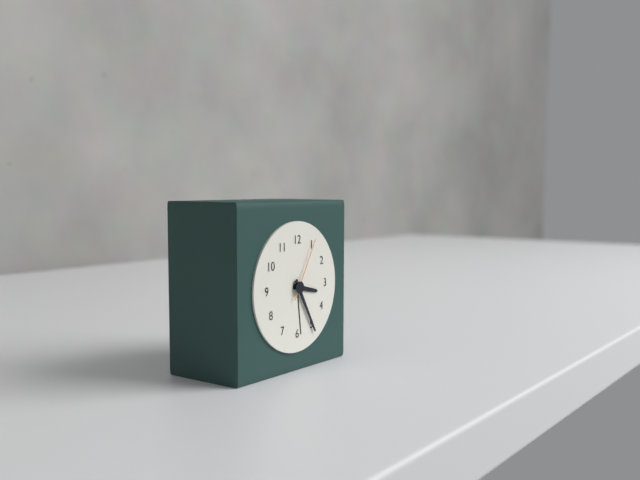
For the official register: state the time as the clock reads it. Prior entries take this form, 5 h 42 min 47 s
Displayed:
3 h 25 min 05 s
